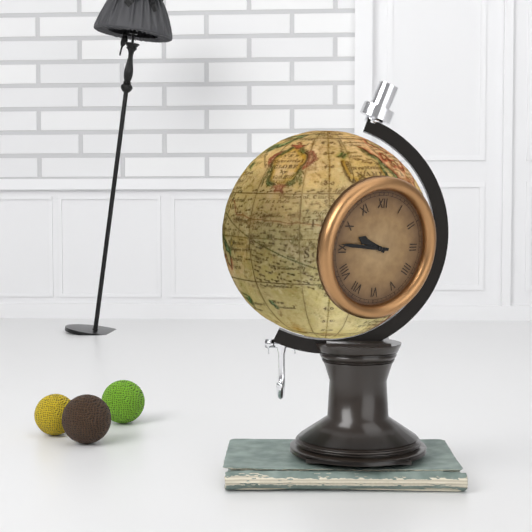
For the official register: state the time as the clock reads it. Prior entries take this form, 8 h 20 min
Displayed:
9 h 46 min
